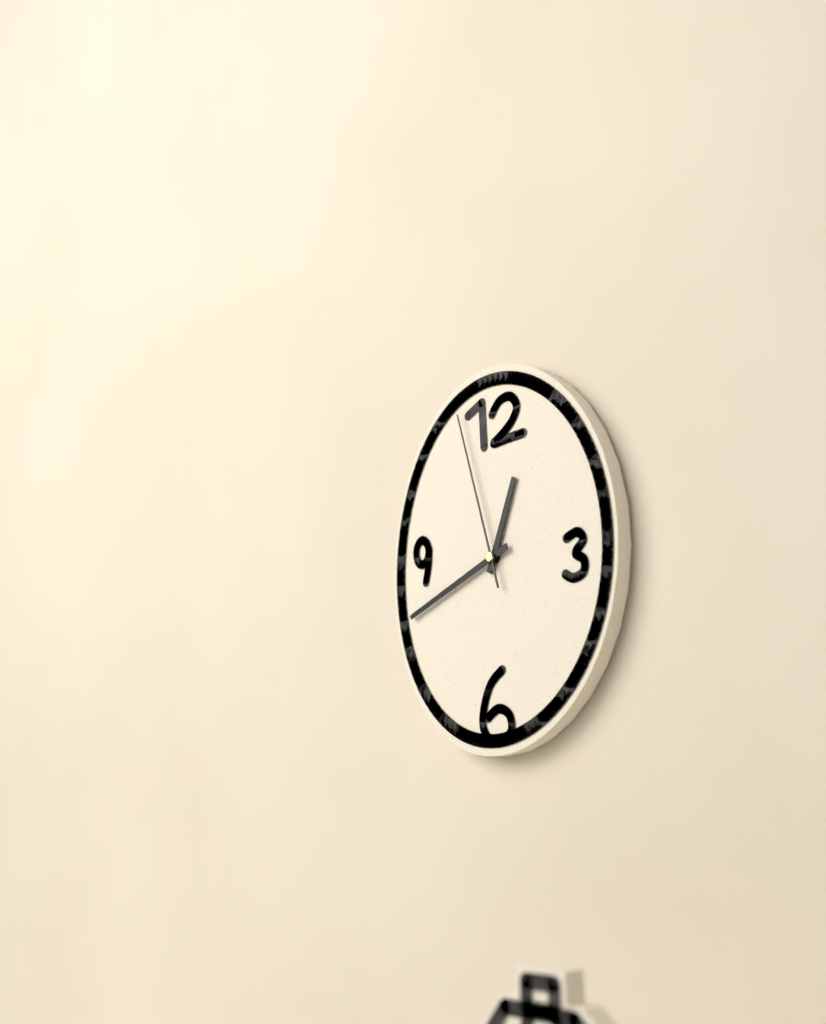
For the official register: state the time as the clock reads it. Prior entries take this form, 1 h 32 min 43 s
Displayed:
12 h 41 min 57 s
